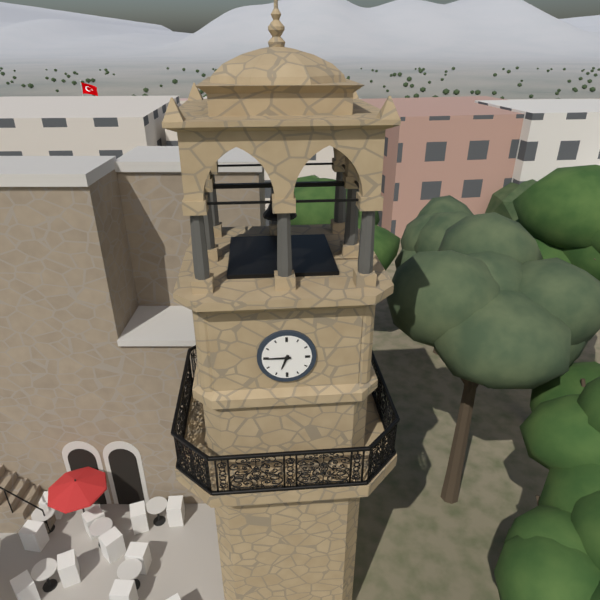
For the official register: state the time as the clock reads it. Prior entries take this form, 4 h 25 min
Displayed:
6 h 45 min
